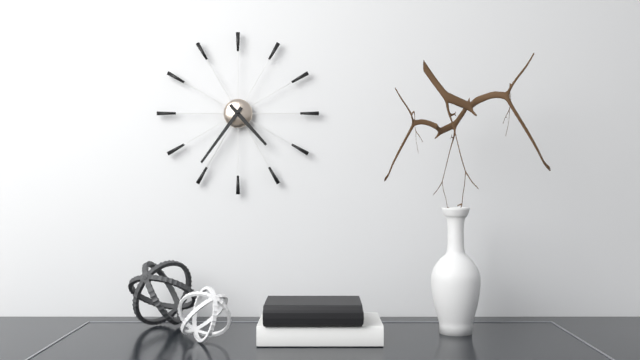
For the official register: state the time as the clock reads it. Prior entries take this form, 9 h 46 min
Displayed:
4 h 36 min
